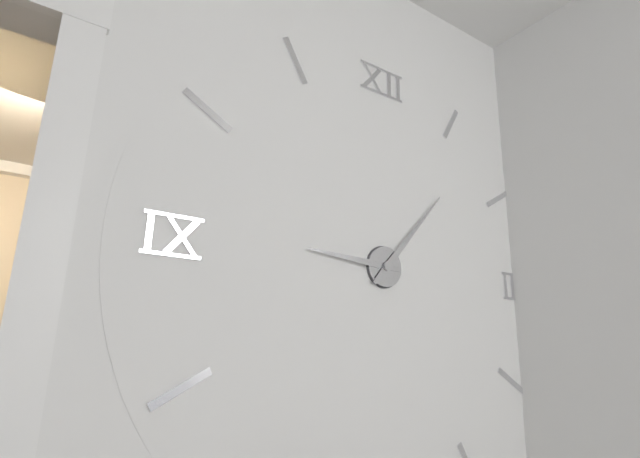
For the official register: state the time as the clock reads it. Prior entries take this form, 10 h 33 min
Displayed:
9 h 07 min
